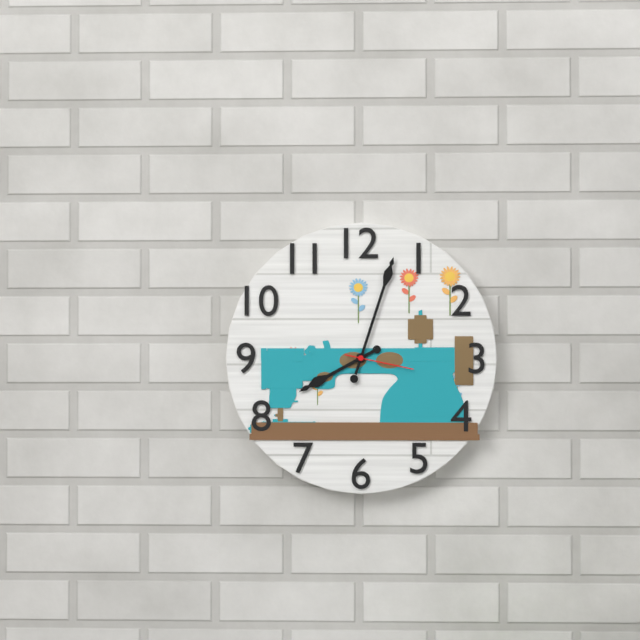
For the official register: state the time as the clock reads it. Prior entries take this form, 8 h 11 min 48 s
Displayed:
8 h 03 min 17 s
